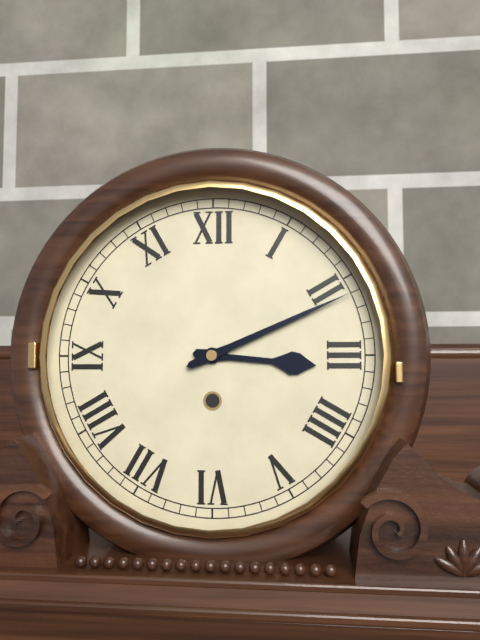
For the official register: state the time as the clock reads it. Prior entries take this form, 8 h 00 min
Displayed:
3 h 11 min
